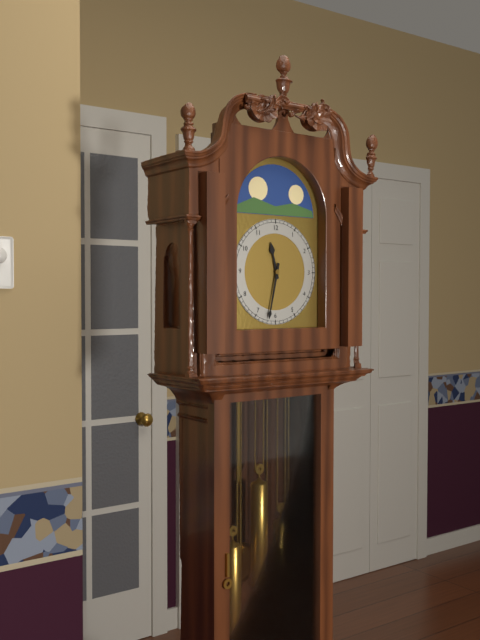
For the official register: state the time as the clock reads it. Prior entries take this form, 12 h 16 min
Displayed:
11 h 32 min
